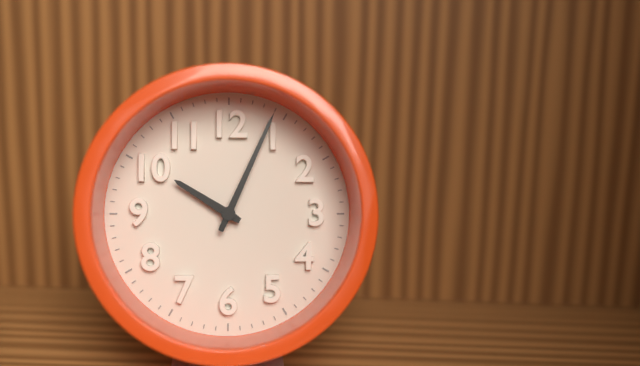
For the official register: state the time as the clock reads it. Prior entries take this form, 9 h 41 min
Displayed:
10 h 04 min
